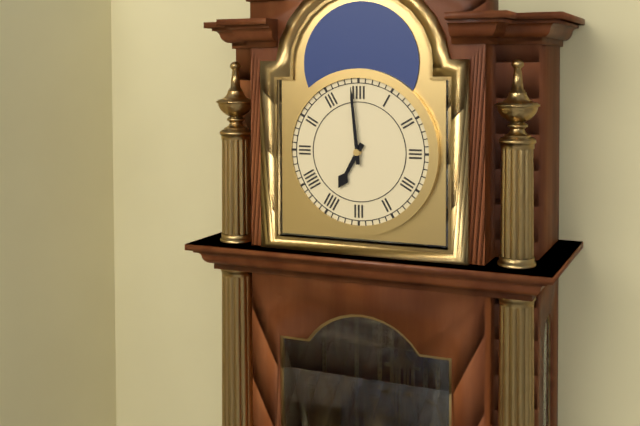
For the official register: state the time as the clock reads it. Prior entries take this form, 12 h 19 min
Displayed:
6 h 59 min
